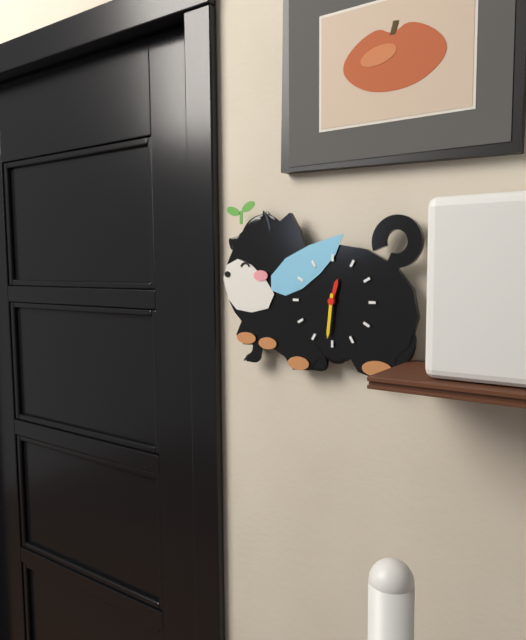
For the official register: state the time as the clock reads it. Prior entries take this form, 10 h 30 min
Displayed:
12 h 31 min
